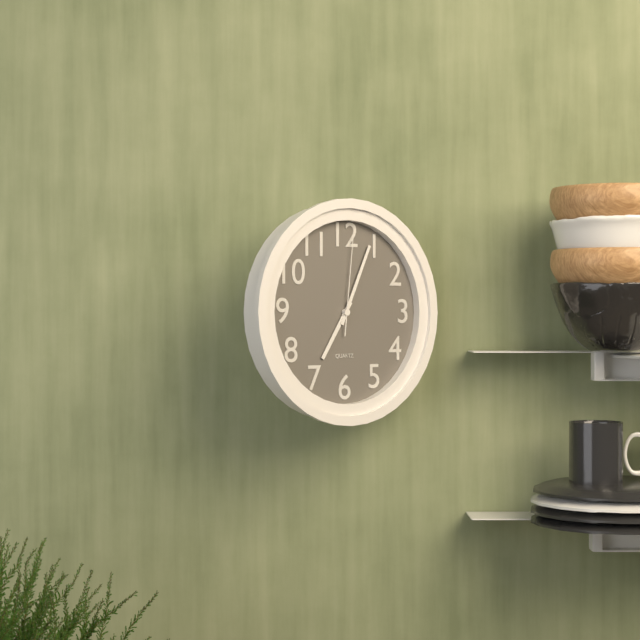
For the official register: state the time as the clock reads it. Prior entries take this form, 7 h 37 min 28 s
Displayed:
7 h 04 min 01 s
